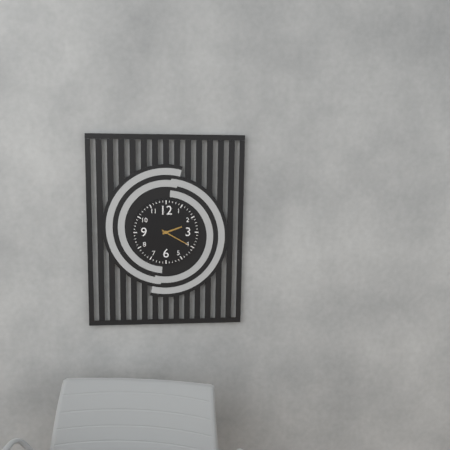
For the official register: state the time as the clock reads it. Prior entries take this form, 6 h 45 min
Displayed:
2 h 20 min
